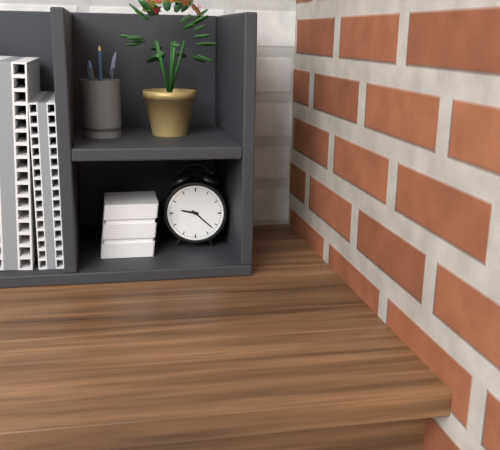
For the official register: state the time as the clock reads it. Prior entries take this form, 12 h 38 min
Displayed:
9 h 22 min
